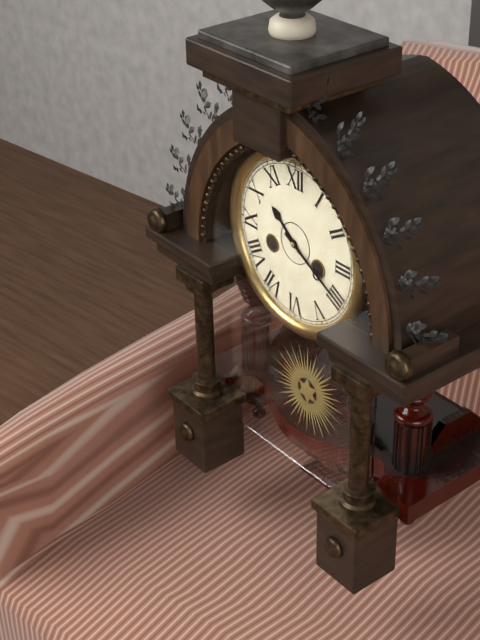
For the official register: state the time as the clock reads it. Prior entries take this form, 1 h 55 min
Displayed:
10 h 20 min
